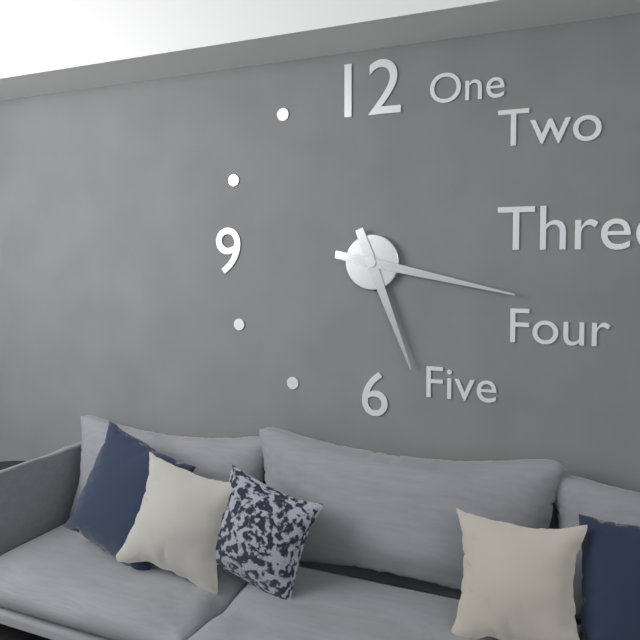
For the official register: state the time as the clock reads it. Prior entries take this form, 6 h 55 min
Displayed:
5 h 17 min
